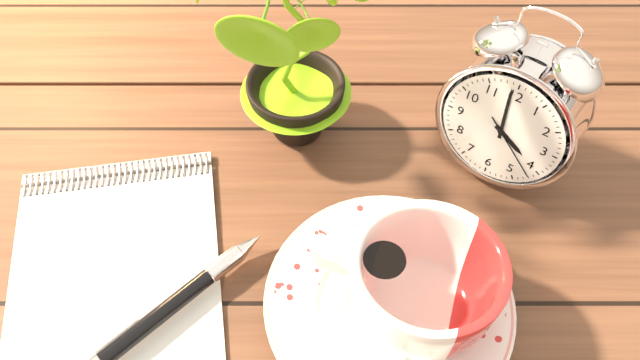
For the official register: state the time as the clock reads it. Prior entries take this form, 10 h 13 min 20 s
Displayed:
3 h 59 min 22 s
